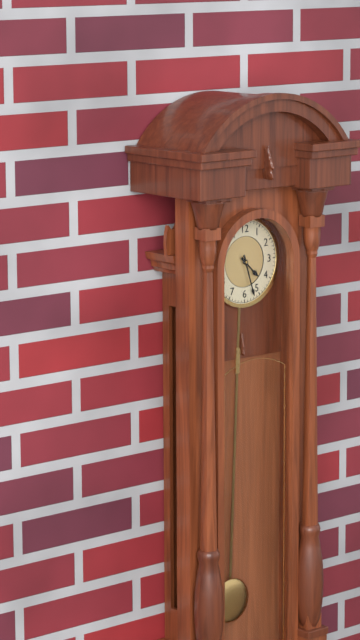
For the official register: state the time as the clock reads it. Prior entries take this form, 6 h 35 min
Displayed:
4 h 27 min
